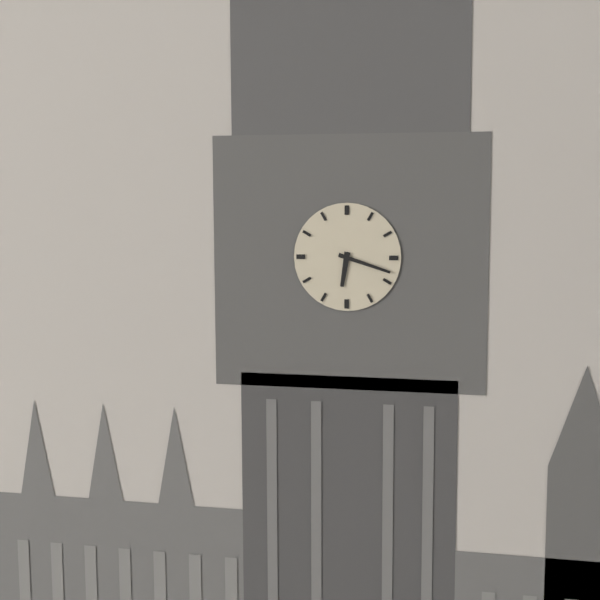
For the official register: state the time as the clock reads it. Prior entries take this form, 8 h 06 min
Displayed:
6 h 18 min
